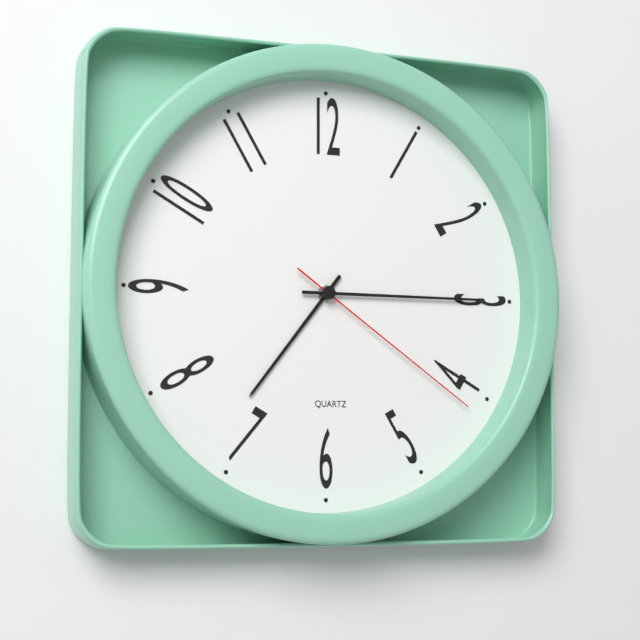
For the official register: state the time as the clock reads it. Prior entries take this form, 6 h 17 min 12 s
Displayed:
7 h 15 min 21 s
